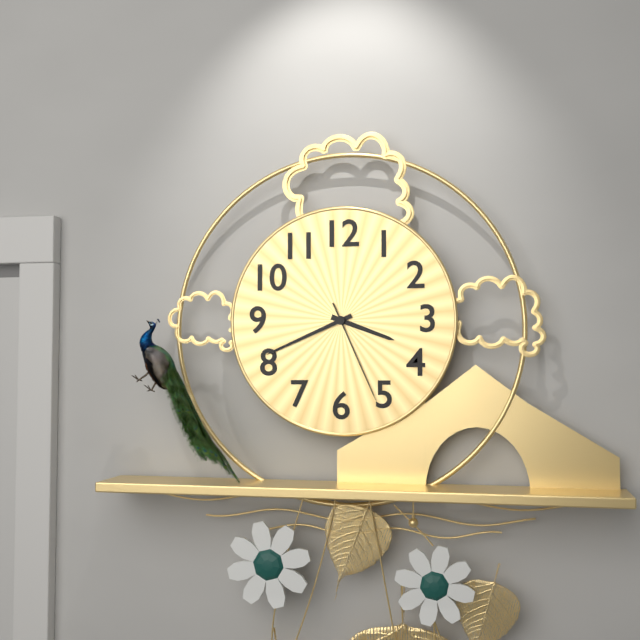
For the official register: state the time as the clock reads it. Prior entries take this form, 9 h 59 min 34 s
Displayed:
3 h 41 min 26 s
